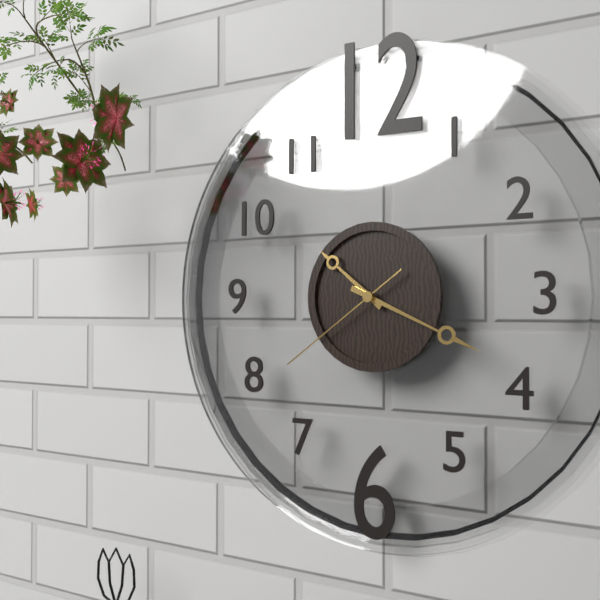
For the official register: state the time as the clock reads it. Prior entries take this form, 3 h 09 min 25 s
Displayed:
10 h 19 min 39 s
